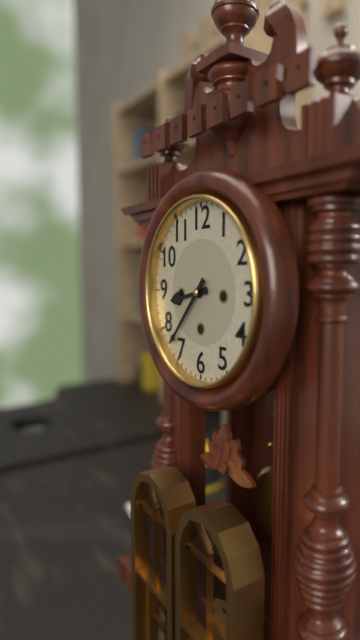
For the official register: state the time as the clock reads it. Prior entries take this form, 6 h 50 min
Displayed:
8 h 37 min
